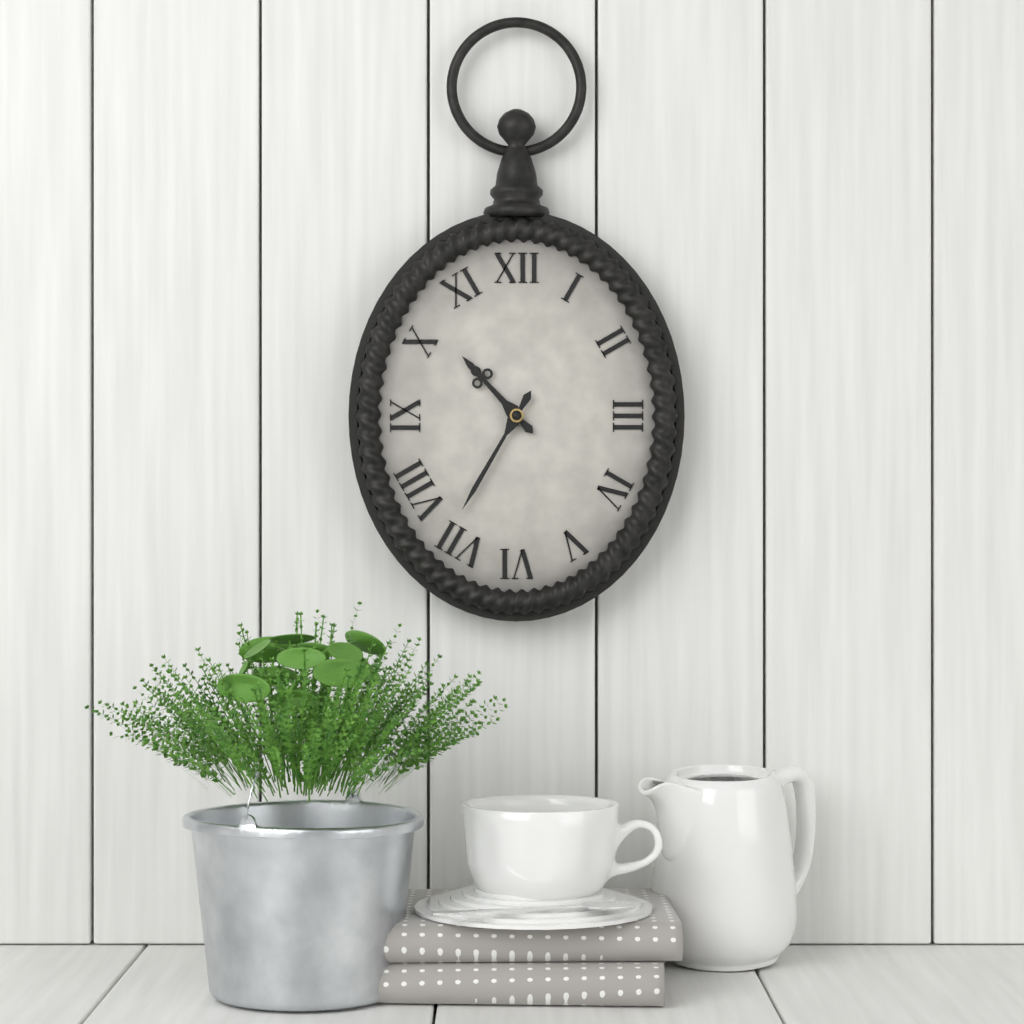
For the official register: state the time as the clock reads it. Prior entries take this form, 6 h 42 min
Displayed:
10 h 35 min
